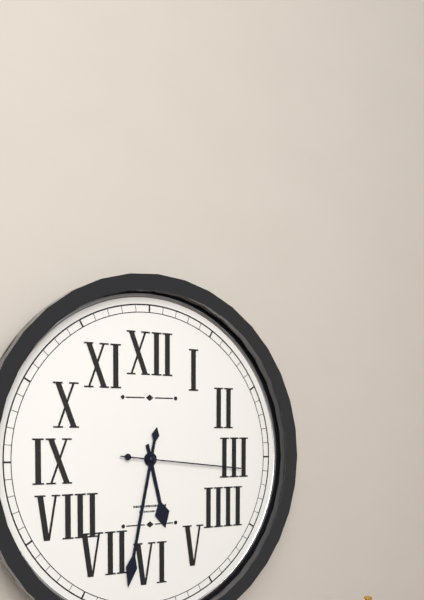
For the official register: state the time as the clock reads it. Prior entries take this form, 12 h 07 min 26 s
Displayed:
5 h 32 min 16 s
